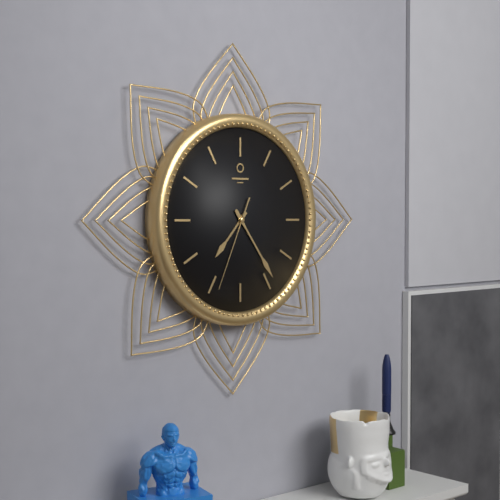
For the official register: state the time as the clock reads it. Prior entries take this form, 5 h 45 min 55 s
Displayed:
7 h 24 min 34 s
